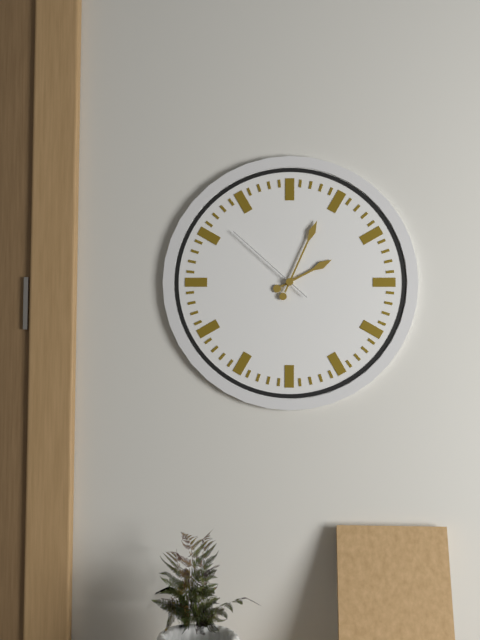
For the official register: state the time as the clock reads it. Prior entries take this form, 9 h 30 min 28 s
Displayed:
2 h 04 min 52 s
